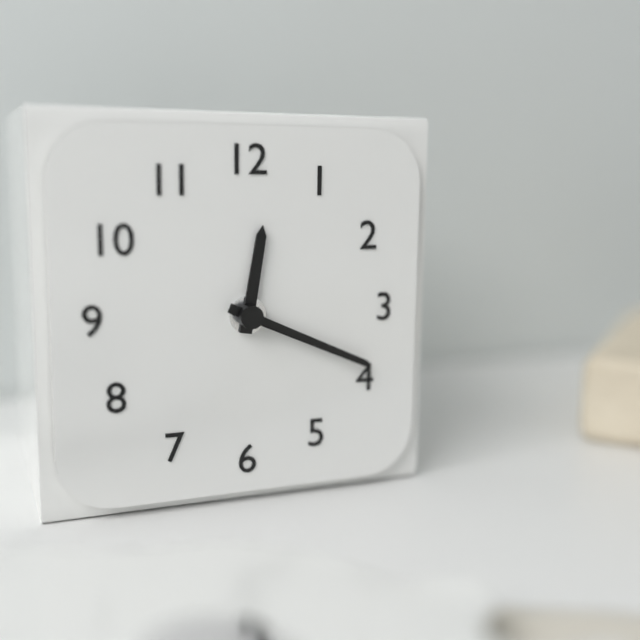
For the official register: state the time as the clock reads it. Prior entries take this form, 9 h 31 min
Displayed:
12 h 19 min
